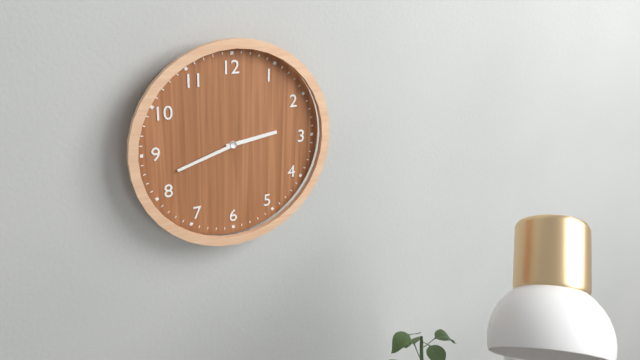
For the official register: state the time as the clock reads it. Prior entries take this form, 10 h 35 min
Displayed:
2 h 42 min
